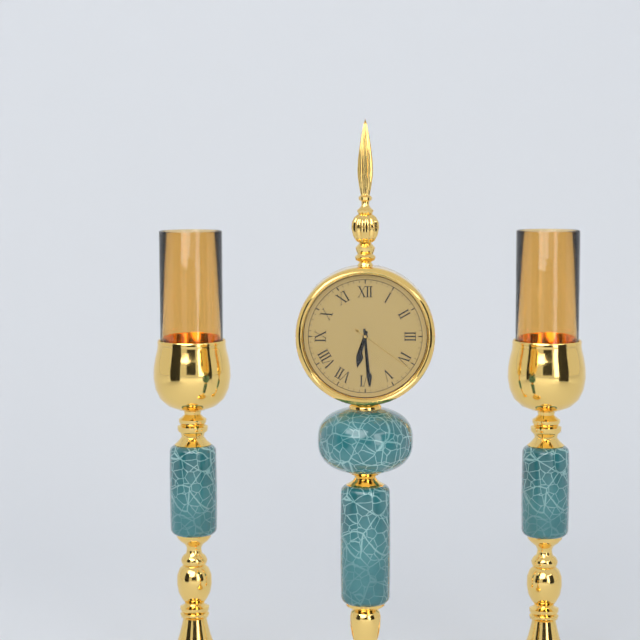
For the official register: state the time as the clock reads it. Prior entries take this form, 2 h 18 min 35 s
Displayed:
6 h 29 min 21 s
